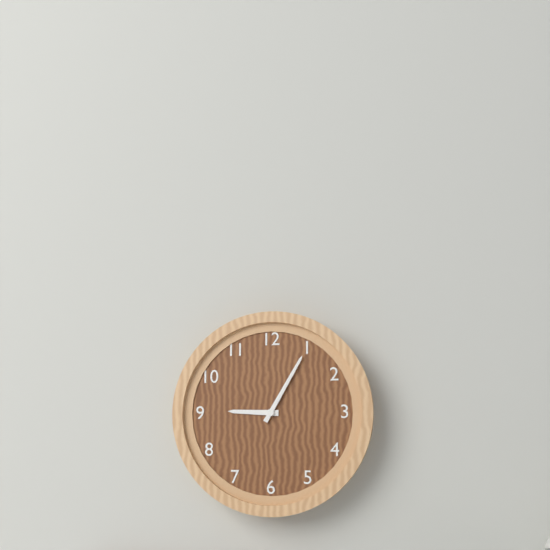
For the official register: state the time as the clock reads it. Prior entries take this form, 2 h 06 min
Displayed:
9 h 05 min
